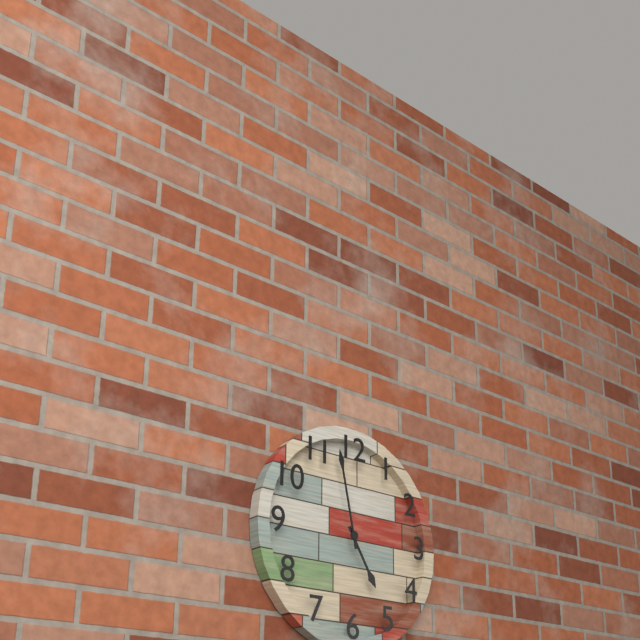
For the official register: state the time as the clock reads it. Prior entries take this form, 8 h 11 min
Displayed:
4 h 58 min
